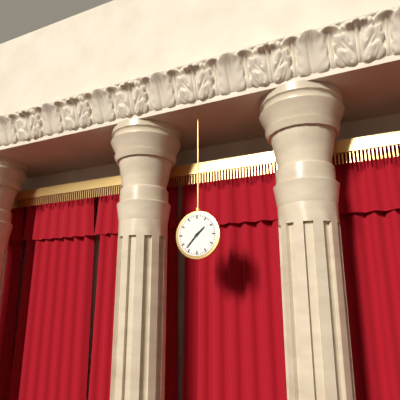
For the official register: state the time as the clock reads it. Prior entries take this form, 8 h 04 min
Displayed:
1 h 37 min
